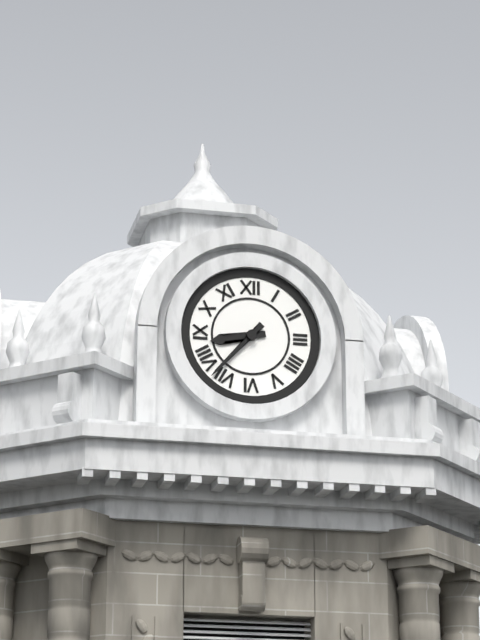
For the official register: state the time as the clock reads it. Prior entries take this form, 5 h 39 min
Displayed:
8 h 37 min
